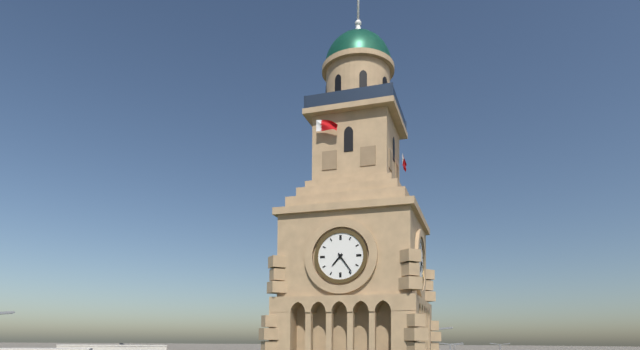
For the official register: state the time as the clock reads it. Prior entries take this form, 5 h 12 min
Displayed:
7 h 24 min
